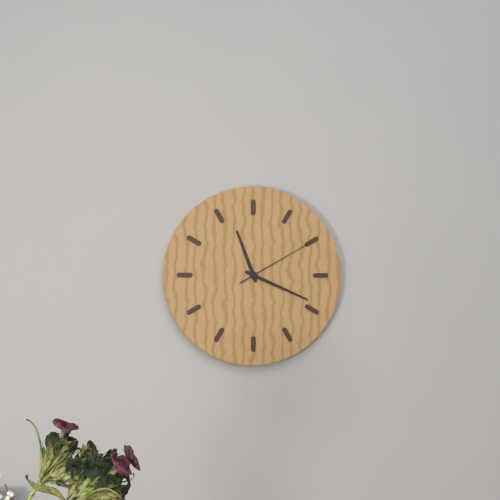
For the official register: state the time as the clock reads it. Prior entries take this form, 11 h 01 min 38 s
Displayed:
11 h 19 min 10 s
